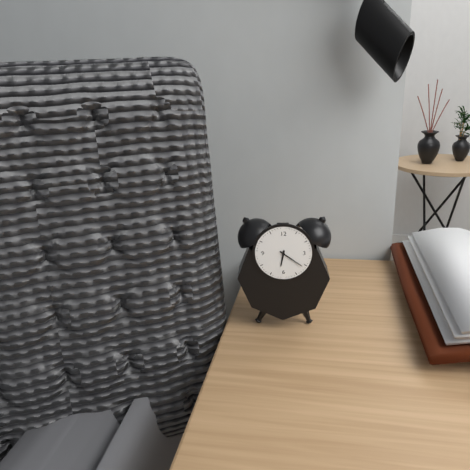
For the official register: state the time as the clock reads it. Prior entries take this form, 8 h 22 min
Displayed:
6 h 21 min
